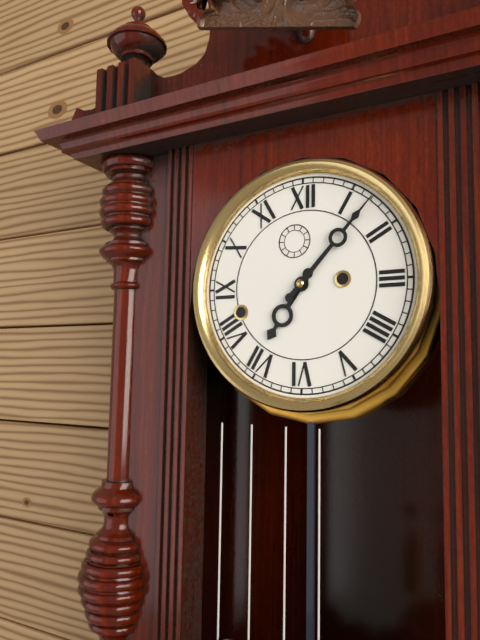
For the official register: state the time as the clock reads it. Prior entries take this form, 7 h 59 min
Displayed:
7 h 07 min
